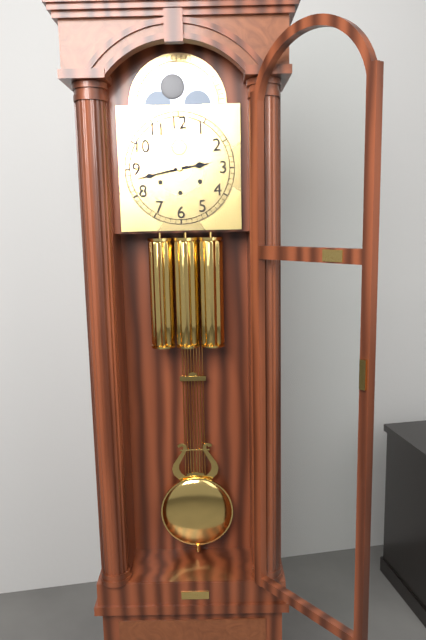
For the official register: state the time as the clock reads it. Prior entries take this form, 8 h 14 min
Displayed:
2 h 43 min
